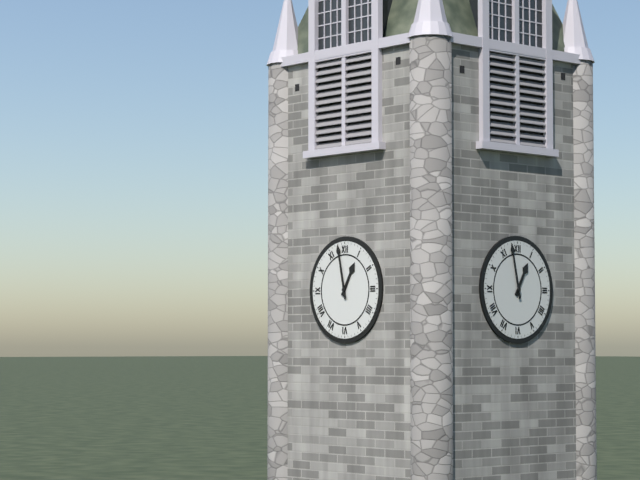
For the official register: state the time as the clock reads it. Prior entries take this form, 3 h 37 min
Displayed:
12 h 58 min
